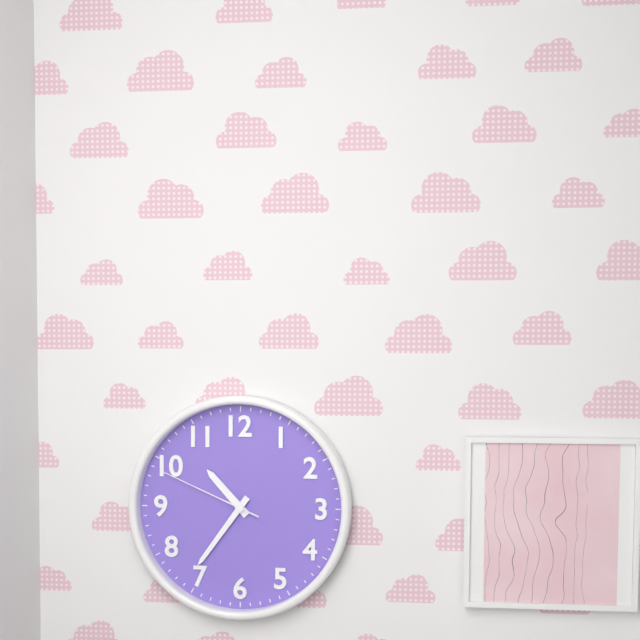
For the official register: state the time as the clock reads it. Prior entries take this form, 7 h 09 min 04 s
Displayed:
10 h 36 min 49 s
